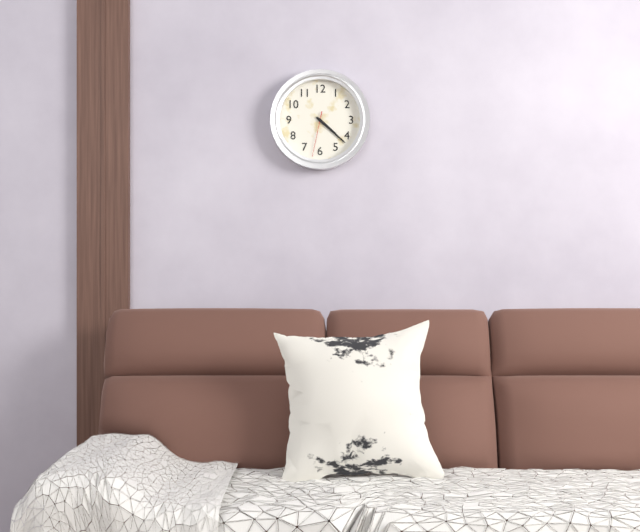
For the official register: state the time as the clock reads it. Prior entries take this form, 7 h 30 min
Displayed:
4 h 22 min
